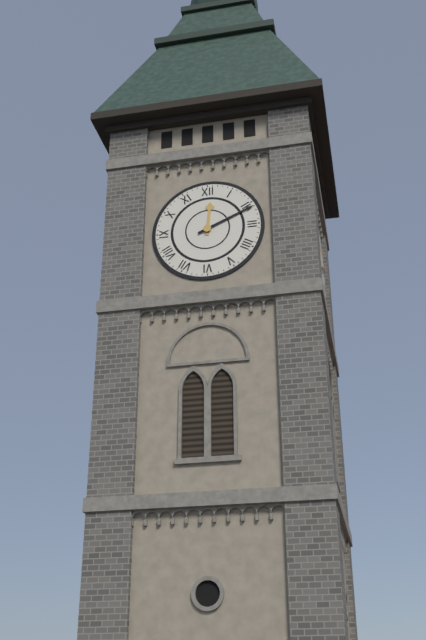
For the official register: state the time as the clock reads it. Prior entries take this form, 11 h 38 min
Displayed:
12 h 11 min
